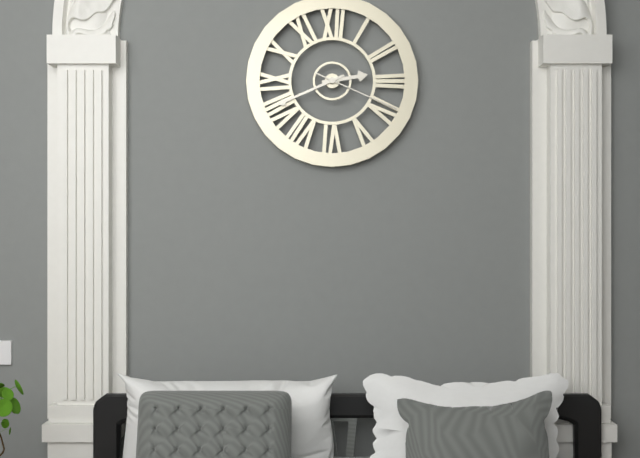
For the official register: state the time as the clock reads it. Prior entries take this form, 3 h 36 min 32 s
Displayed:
2 h 41 min 19 s
